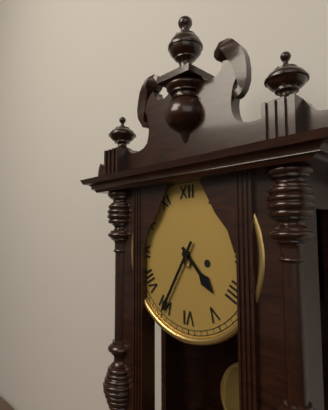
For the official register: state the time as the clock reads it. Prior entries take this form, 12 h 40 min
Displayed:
4 h 35 min
